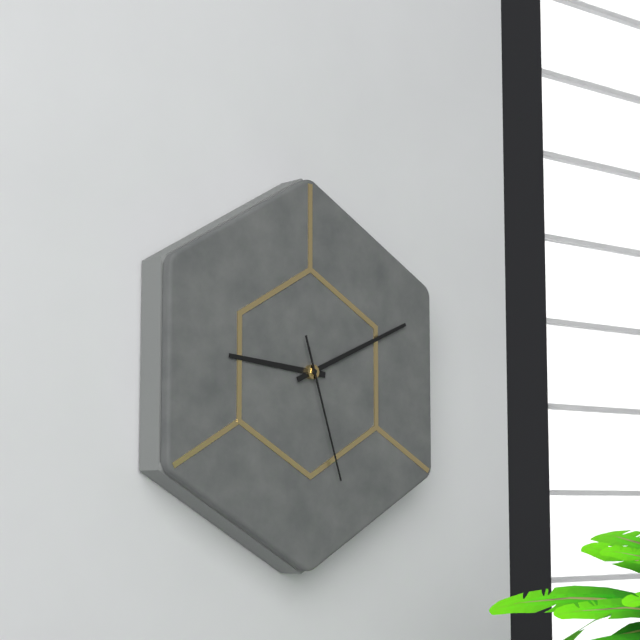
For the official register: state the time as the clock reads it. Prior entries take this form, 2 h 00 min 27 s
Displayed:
9 h 11 min 27 s
